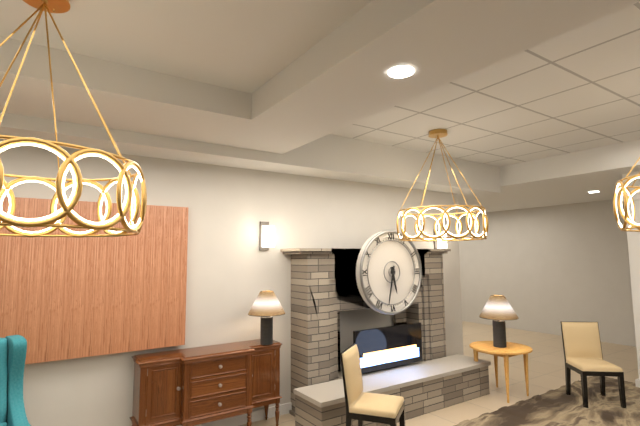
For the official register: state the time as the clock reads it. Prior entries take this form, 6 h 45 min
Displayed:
5 h 32 min
